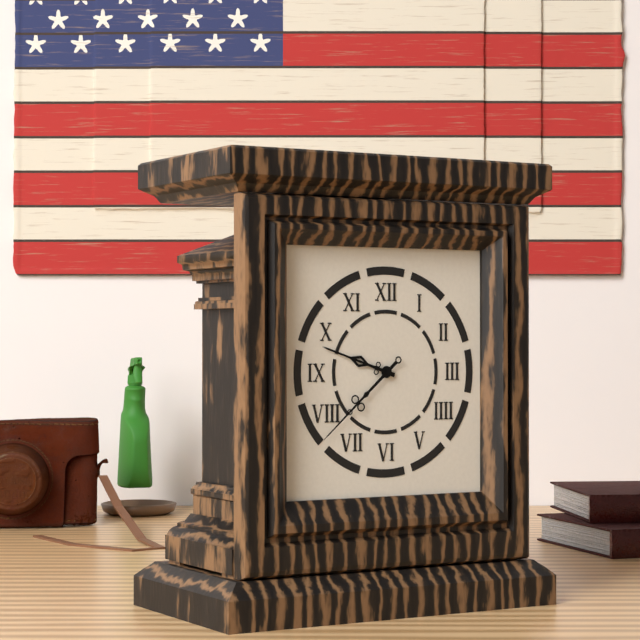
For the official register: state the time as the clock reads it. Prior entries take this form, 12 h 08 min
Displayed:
9 h 38 min
